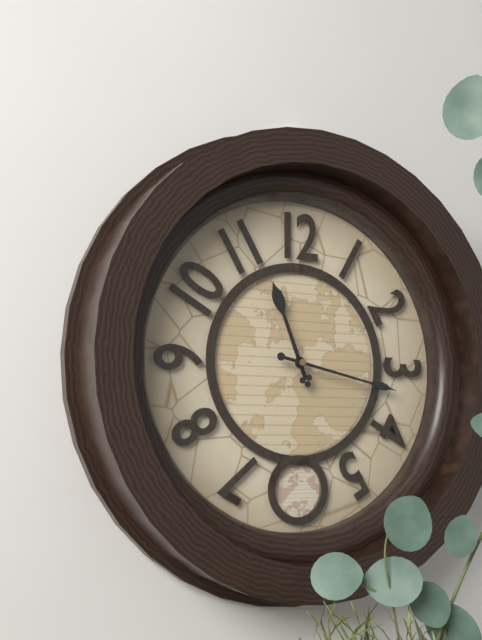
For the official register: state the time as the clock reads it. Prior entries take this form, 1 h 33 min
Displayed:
11 h 17 min
